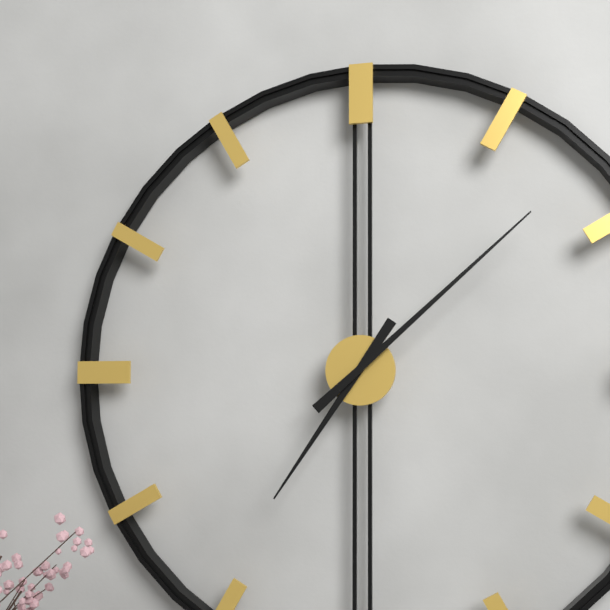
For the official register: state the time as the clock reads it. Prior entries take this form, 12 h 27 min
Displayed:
7 h 08 min
